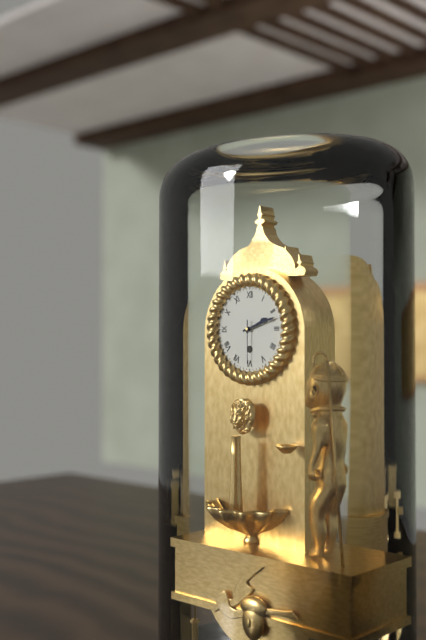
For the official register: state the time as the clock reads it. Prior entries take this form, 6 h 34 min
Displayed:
2 h 12 min
